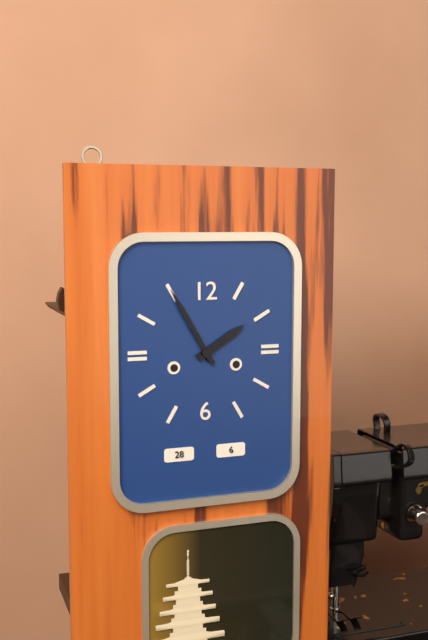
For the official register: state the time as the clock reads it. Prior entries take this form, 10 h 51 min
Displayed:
1 h 55 min
